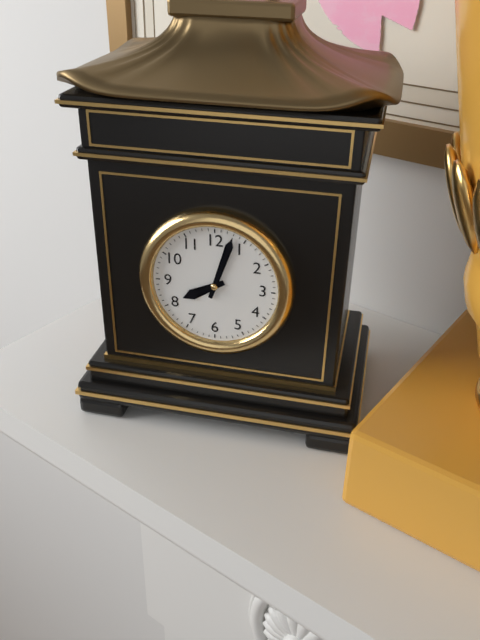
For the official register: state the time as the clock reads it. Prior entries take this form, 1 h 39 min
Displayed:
8 h 03 min
